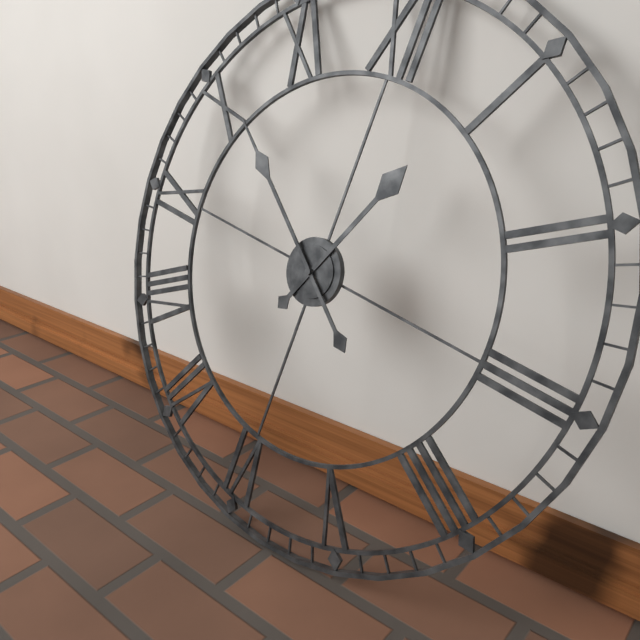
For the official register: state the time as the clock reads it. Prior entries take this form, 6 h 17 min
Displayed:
12 h 51 min
